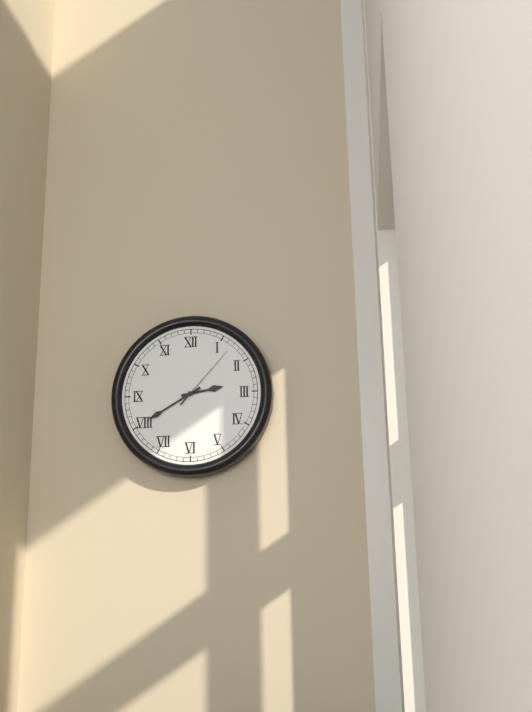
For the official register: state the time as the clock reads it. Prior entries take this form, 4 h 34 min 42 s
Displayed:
2 h 40 min 07 s
